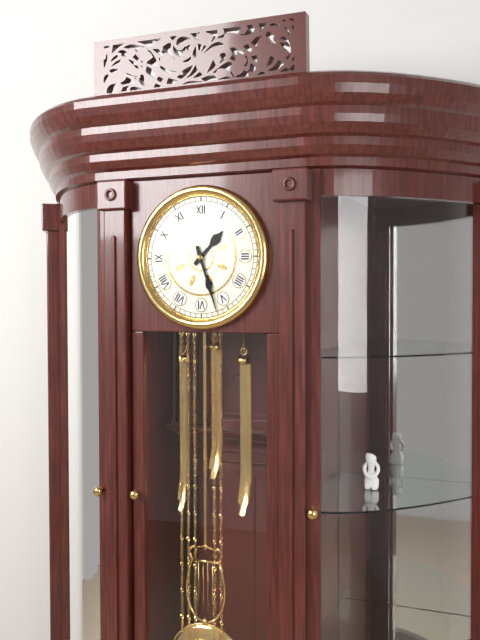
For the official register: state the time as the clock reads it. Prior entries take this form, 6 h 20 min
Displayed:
1 h 27 min
